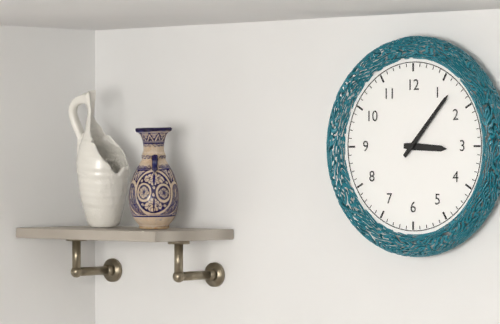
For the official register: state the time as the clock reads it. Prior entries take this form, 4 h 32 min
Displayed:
3 h 07 min
